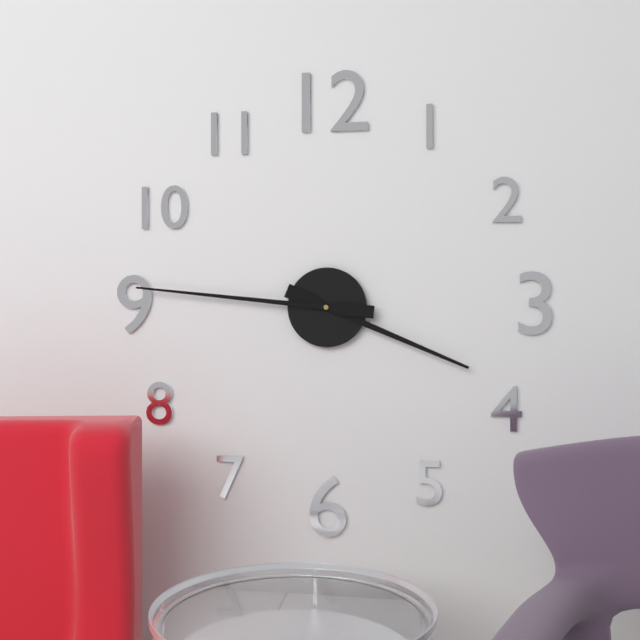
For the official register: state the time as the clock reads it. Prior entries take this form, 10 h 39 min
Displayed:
3 h 46 min
